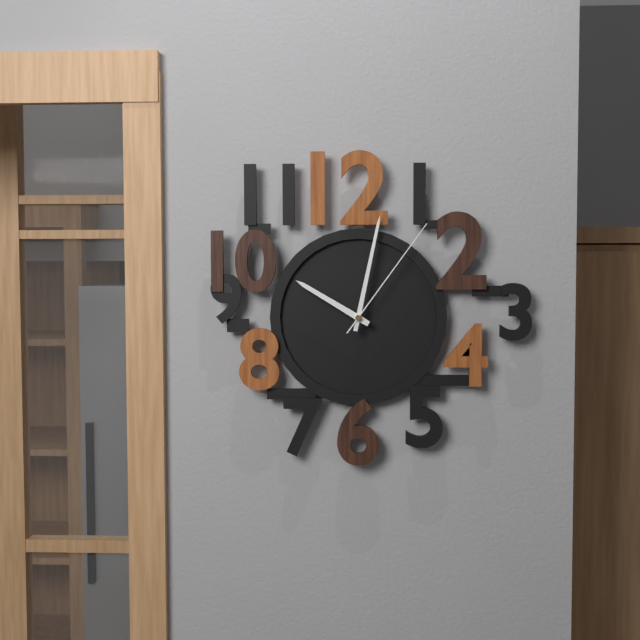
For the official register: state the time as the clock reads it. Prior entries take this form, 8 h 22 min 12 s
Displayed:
10 h 02 min 06 s
